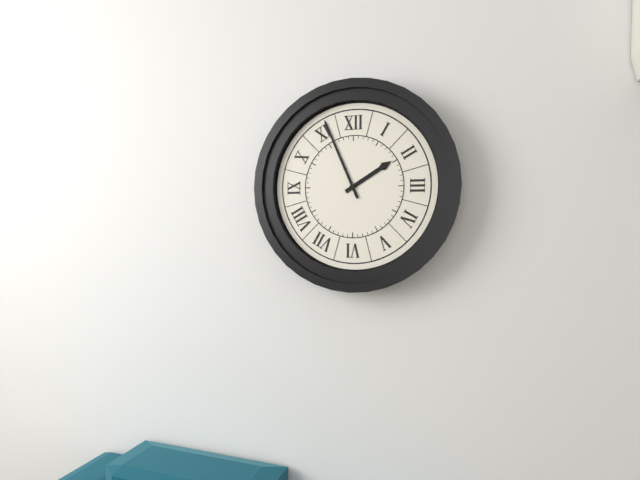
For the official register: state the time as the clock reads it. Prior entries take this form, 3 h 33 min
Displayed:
1 h 56 min
